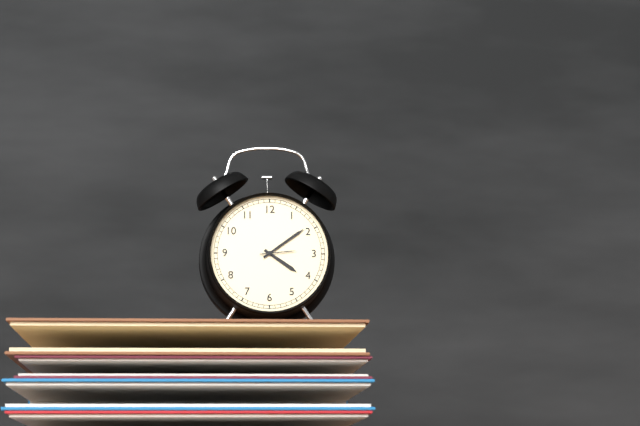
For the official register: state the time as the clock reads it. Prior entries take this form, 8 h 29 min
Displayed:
4 h 09 min
